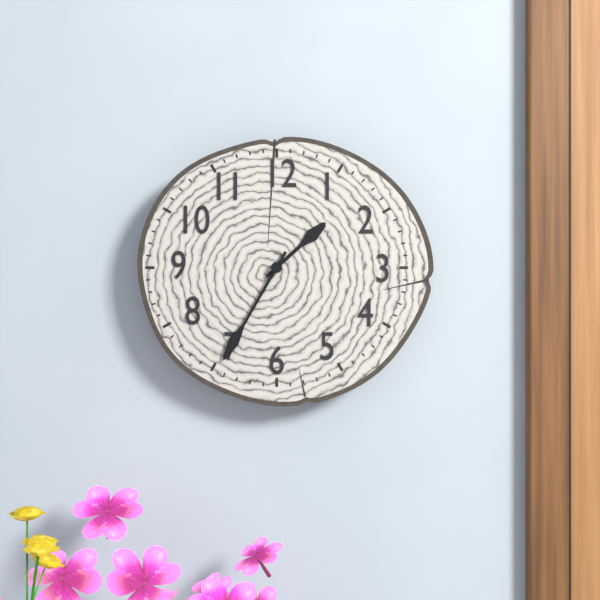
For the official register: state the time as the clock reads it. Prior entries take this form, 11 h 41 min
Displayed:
1 h 35 min
